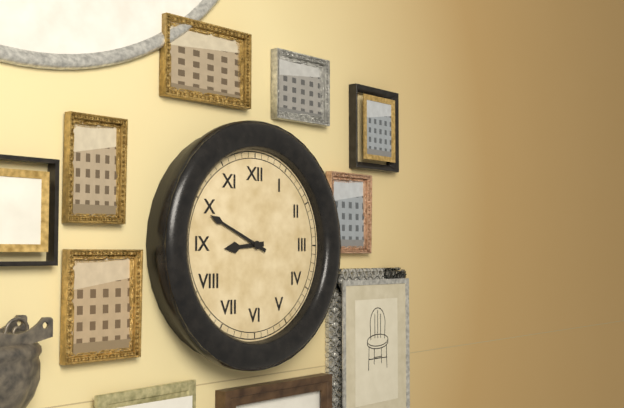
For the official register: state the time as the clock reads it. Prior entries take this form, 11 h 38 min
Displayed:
8 h 49 min
